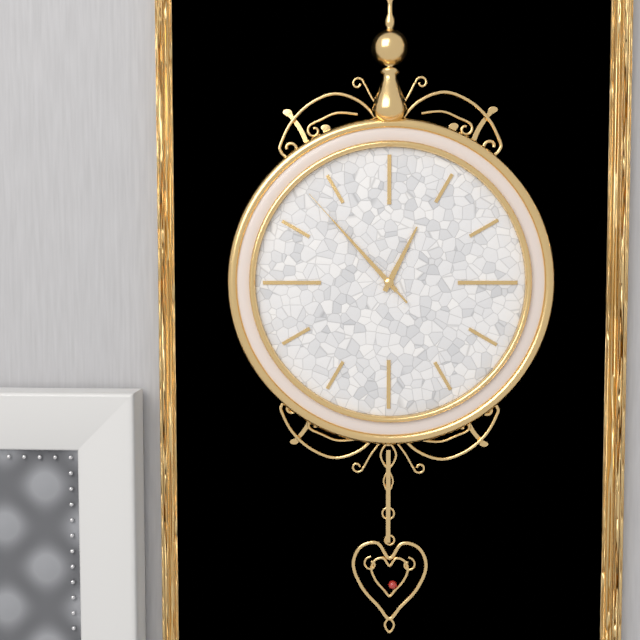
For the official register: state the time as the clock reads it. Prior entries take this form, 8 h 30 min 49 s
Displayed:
12 h 53 min 53 s
